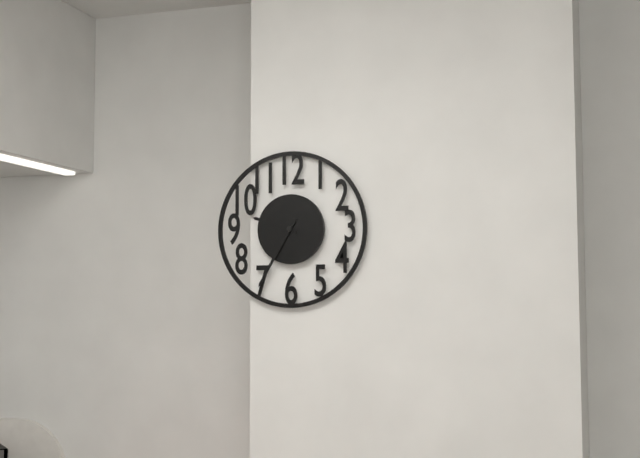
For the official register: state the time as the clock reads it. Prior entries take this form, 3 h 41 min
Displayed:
9 h 35 min
